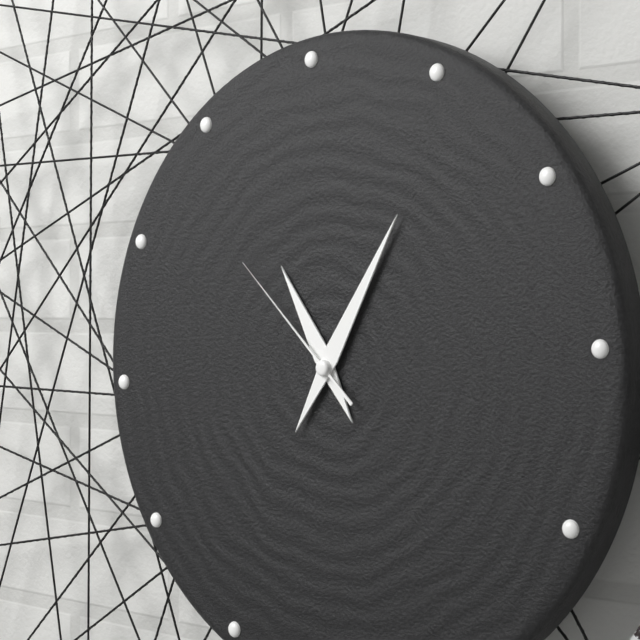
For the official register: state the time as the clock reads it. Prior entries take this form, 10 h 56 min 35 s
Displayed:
11 h 06 min 53 s
